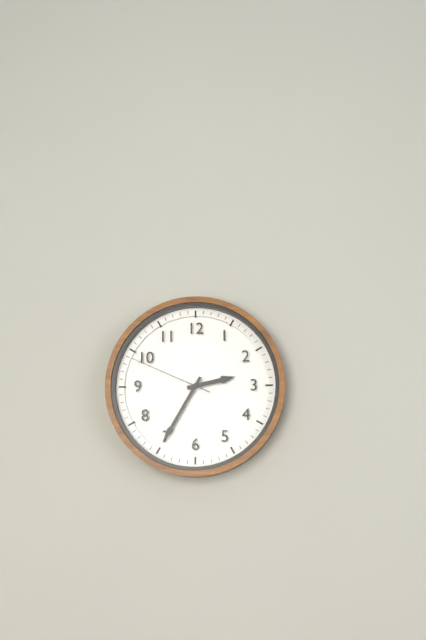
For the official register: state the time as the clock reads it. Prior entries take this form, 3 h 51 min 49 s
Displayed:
2 h 35 min 49 s
